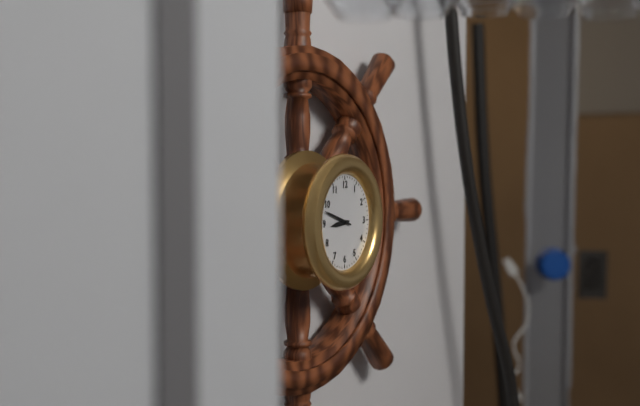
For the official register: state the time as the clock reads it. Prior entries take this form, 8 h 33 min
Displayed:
8 h 48 min
